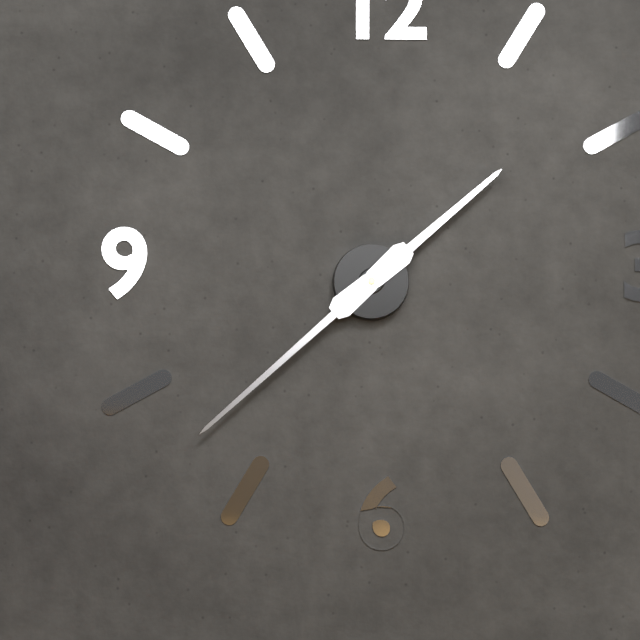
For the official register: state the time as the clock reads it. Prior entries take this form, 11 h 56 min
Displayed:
1 h 38 min
